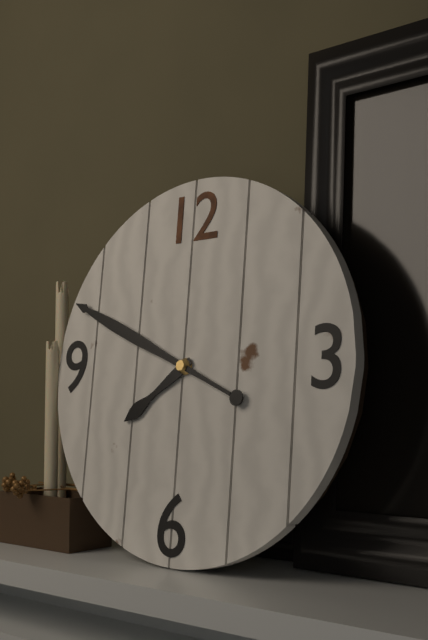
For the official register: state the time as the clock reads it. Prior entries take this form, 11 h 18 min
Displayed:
7 h 49 min
